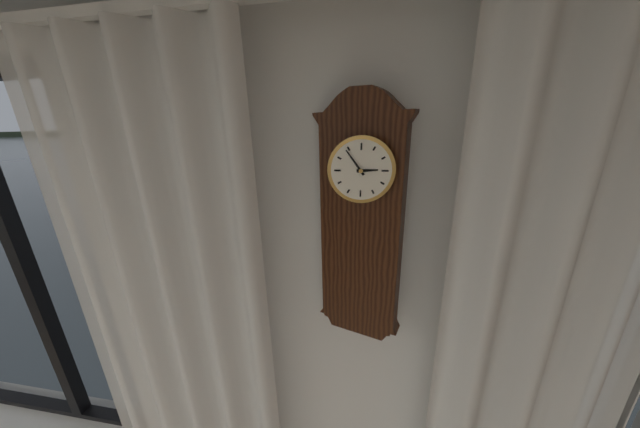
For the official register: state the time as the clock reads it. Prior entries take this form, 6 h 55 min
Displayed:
2 h 54 min
